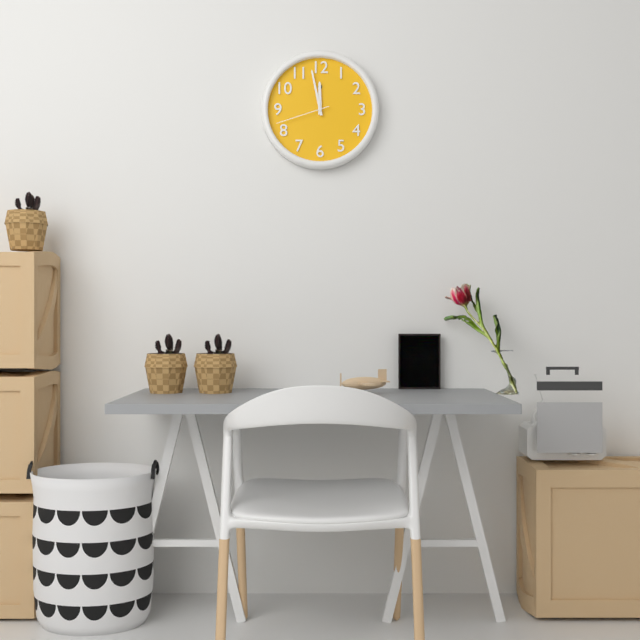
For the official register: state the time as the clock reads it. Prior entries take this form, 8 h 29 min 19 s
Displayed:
11 h 58 min 42 s
